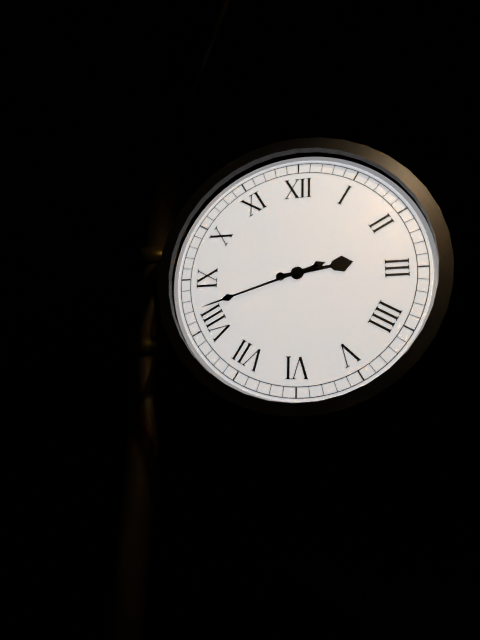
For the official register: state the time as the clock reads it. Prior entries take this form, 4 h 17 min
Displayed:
2 h 42 min
